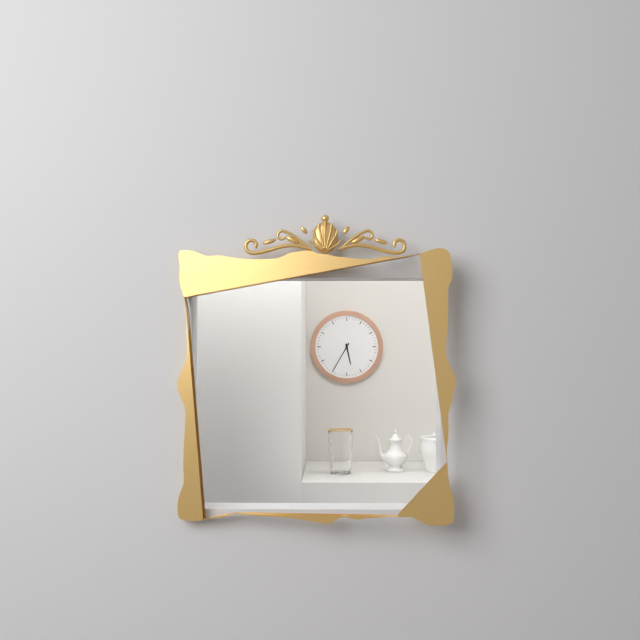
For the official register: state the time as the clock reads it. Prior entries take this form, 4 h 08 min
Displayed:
5 h 35 min
